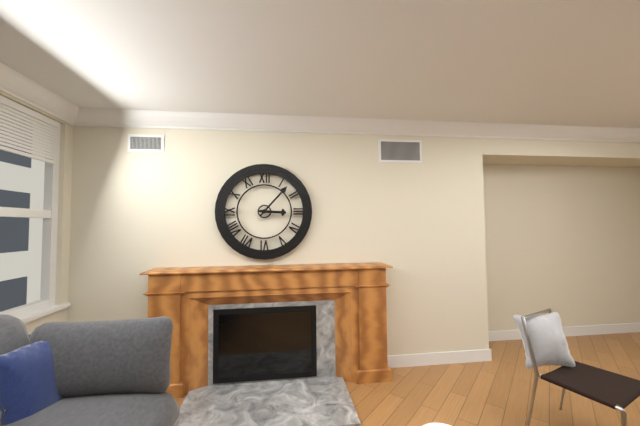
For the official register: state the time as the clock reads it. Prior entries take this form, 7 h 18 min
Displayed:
3 h 07 min
